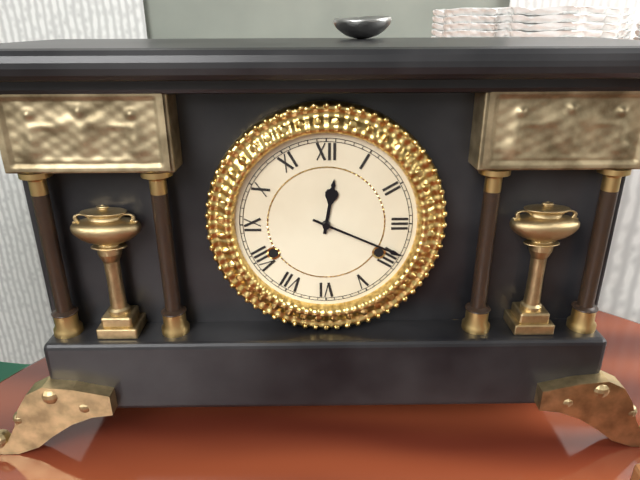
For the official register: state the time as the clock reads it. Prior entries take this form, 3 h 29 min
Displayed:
12 h 19 min
